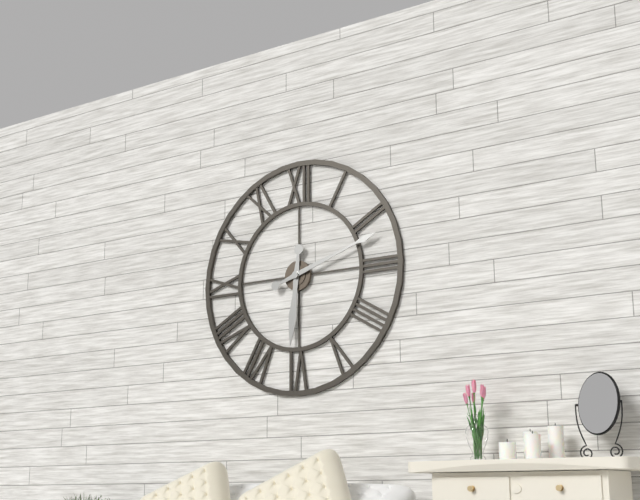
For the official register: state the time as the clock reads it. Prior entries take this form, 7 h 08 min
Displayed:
6 h 12 min
